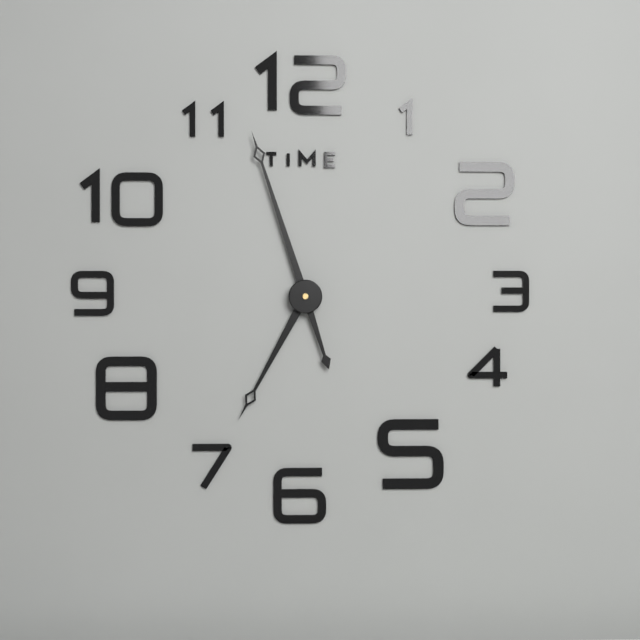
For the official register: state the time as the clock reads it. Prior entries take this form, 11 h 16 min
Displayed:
6 h 57 min
